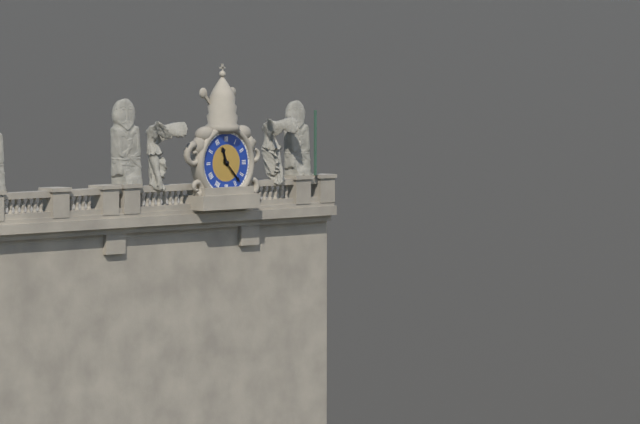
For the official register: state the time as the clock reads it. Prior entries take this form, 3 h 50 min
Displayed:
11 h 23 min
